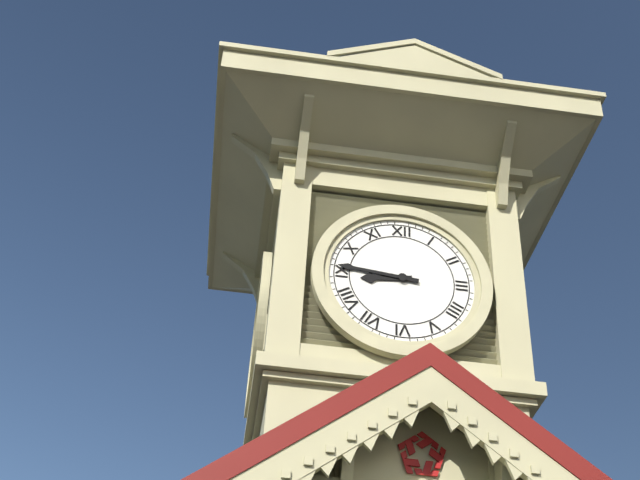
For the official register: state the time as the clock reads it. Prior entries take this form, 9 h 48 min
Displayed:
8 h 46 min
